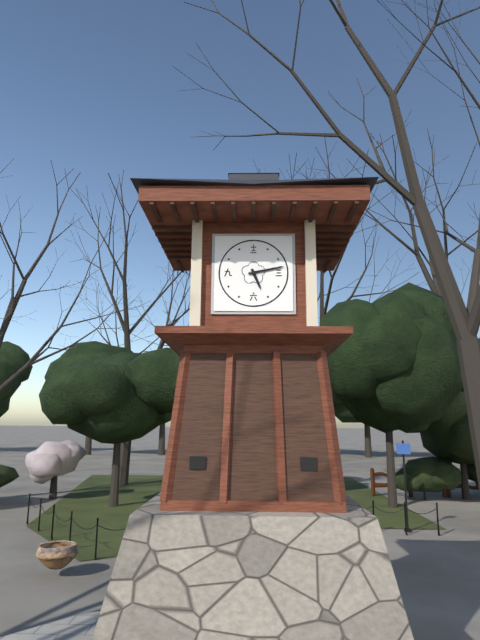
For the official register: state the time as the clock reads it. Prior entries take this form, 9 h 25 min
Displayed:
5 h 13 min
